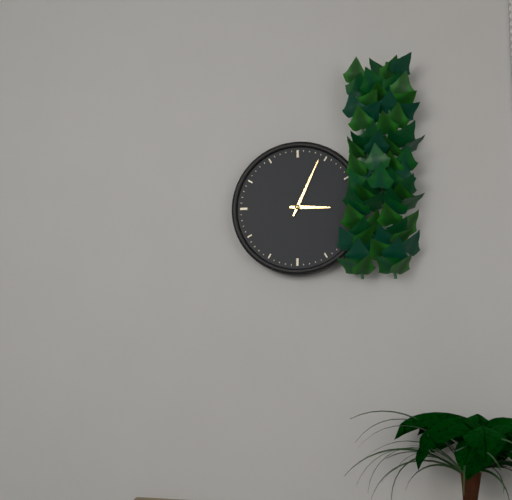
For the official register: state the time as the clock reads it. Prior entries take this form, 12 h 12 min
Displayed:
3 h 04 min
